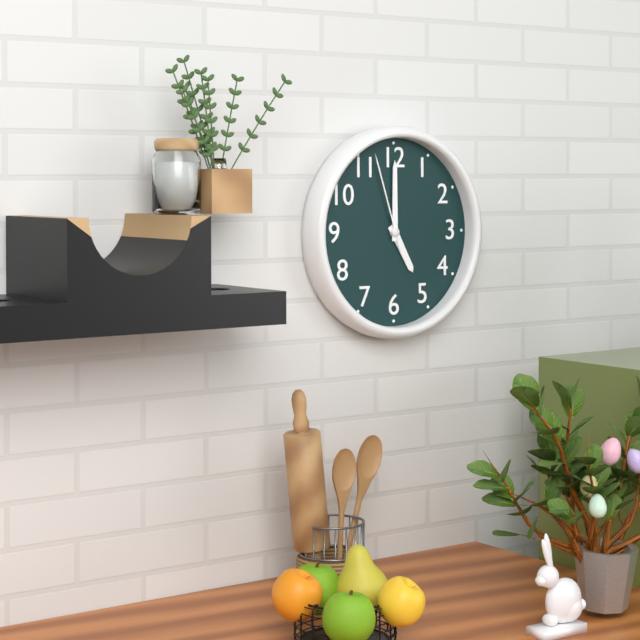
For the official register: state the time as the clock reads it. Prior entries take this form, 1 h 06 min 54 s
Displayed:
5 h 00 min 57 s
